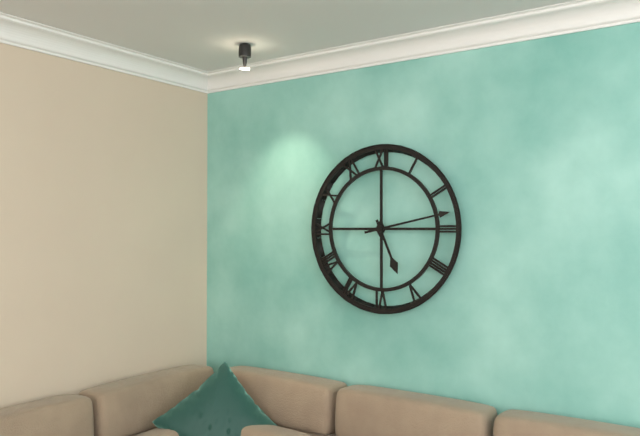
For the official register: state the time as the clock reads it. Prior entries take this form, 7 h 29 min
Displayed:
5 h 13 min
